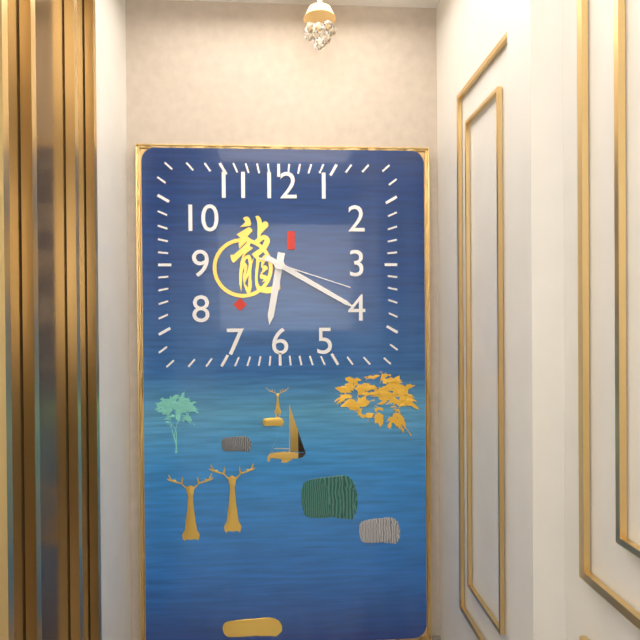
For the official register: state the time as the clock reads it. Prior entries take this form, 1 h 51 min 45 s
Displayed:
6 h 20 min 18 s
